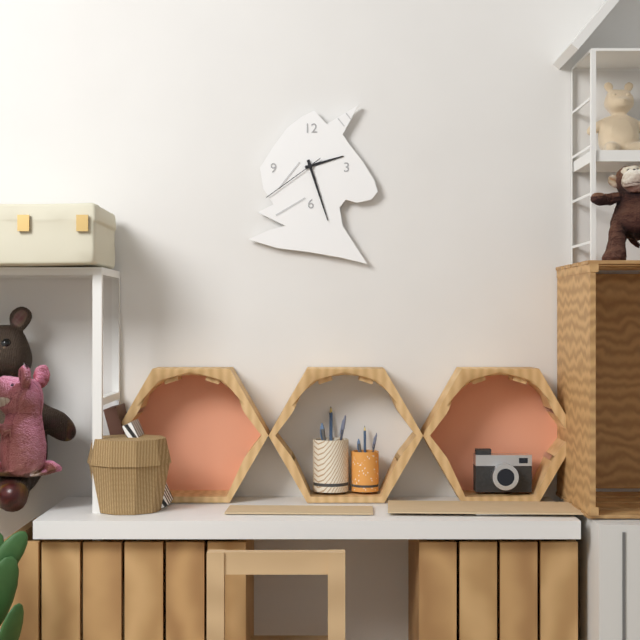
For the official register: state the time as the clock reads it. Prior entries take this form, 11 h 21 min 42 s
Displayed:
2 h 27 min 39 s
